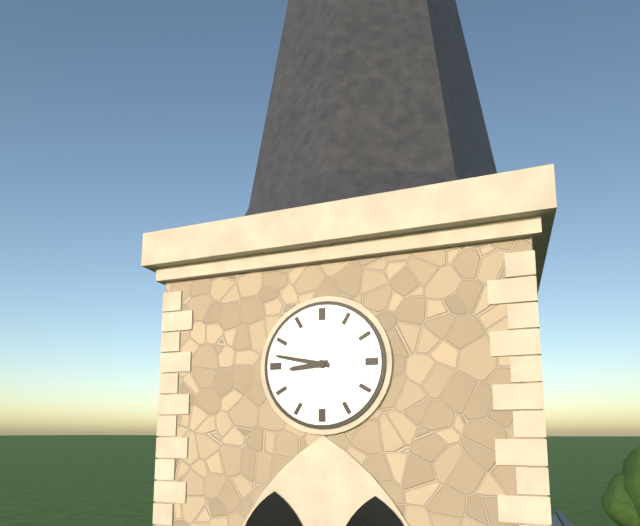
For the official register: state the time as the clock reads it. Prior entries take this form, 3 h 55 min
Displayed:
8 h 47 min
